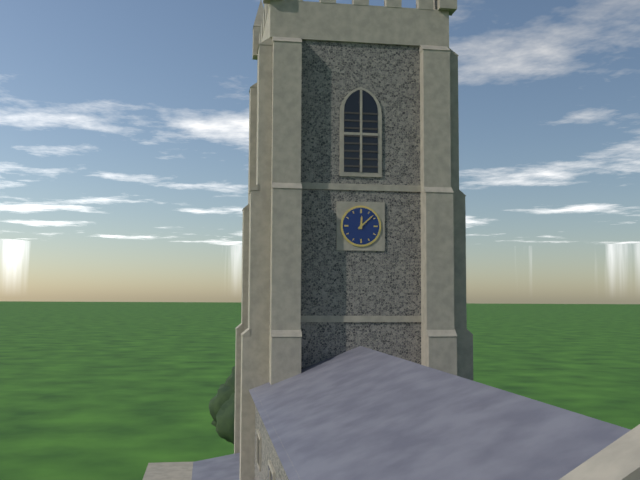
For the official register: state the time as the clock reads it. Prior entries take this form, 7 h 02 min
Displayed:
12 h 08 min
